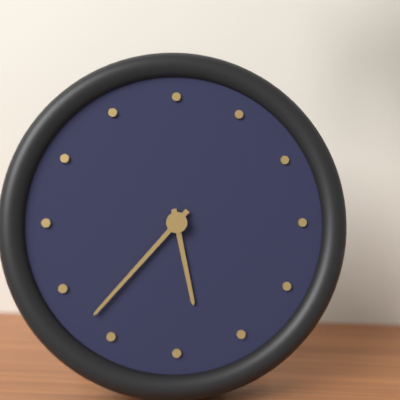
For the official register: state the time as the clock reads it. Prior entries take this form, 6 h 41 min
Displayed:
5 h 37 min
